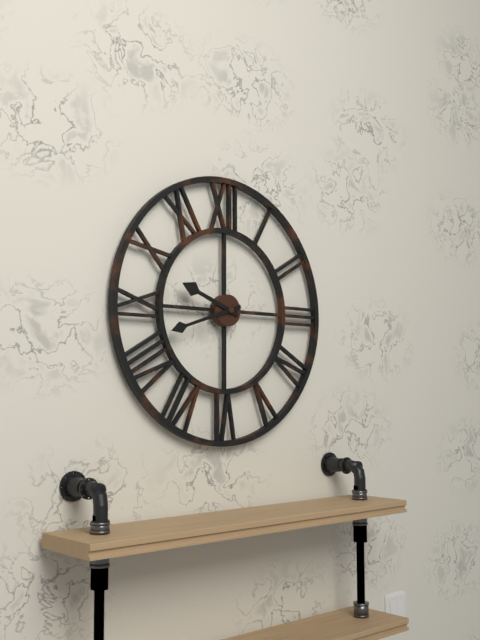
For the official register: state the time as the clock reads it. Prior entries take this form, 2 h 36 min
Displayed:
9 h 42 min
